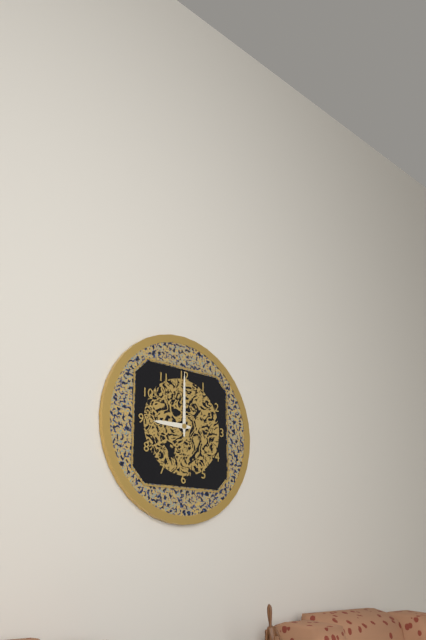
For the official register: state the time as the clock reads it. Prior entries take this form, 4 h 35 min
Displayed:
9 h 00 min
